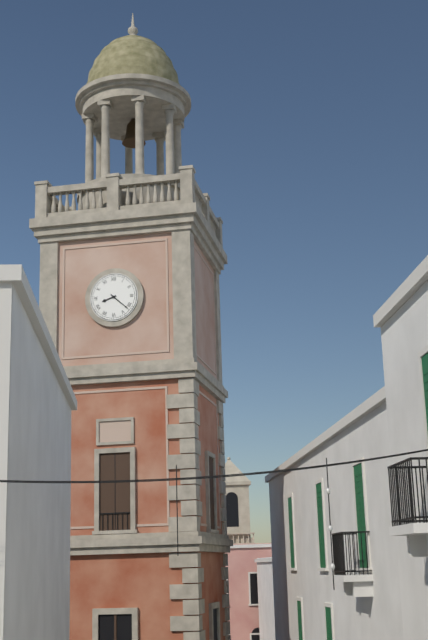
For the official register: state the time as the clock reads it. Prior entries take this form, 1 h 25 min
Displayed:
8 h 22 min
